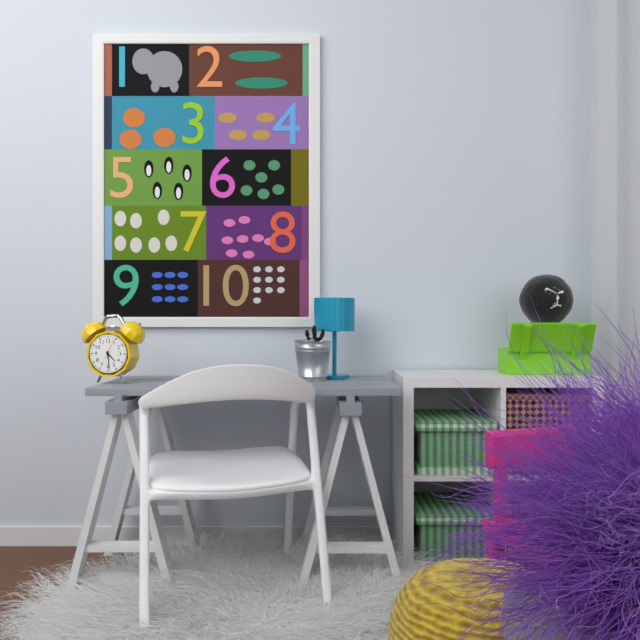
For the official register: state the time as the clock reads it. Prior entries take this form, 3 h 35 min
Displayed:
4 h 29 min
